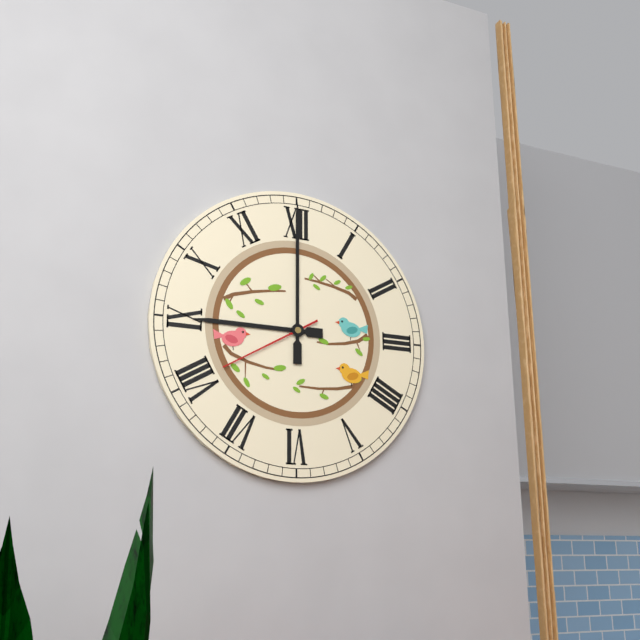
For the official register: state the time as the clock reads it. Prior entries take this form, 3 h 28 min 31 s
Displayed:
9 h 00 min 40 s
